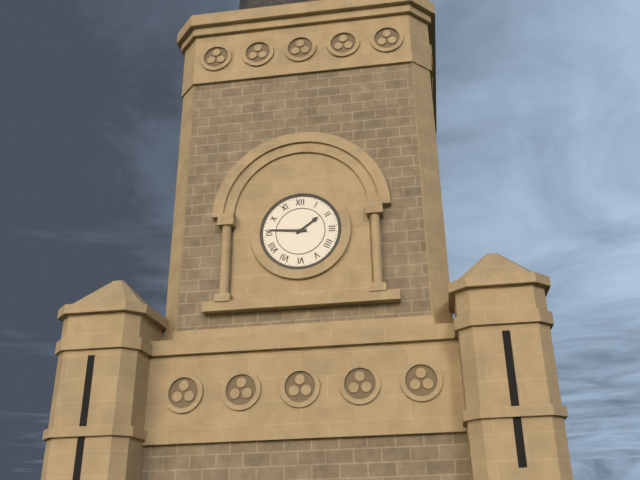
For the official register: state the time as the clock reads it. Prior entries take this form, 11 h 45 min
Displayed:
1 h 46 min
